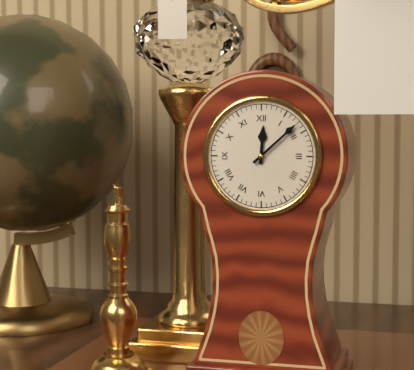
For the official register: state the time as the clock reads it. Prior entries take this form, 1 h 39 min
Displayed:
12 h 08 min
